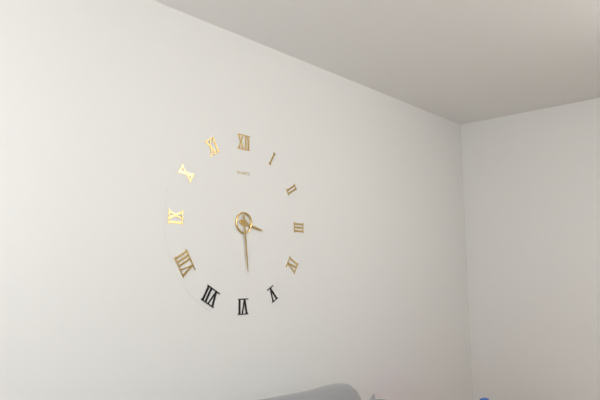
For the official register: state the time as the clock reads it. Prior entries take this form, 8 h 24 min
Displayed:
3 h 29 min
